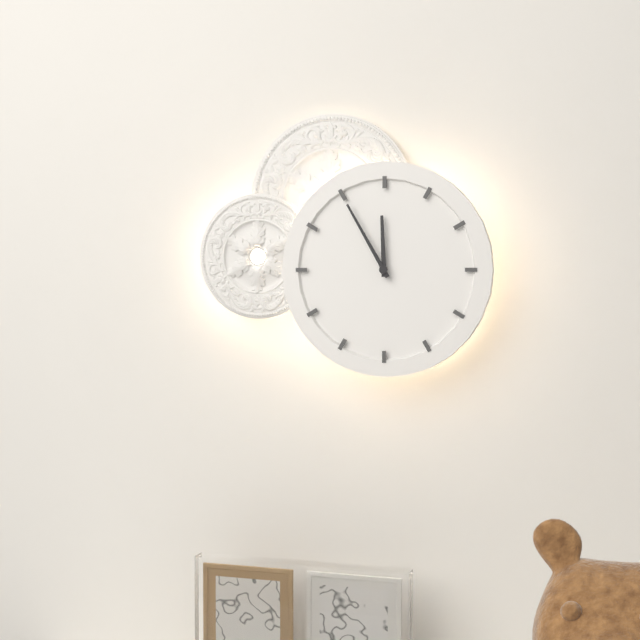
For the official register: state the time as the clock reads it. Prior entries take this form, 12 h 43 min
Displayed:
11 h 55 min
